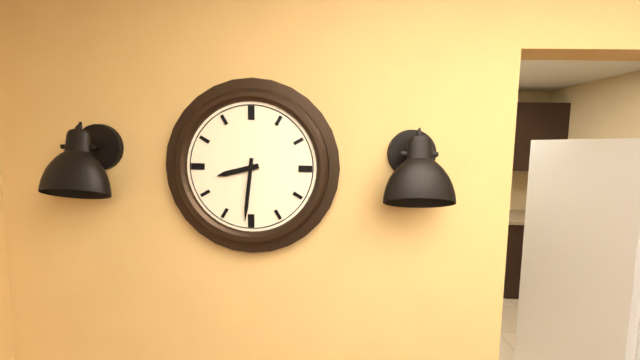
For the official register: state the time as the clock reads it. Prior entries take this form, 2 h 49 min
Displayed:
8 h 31 min
